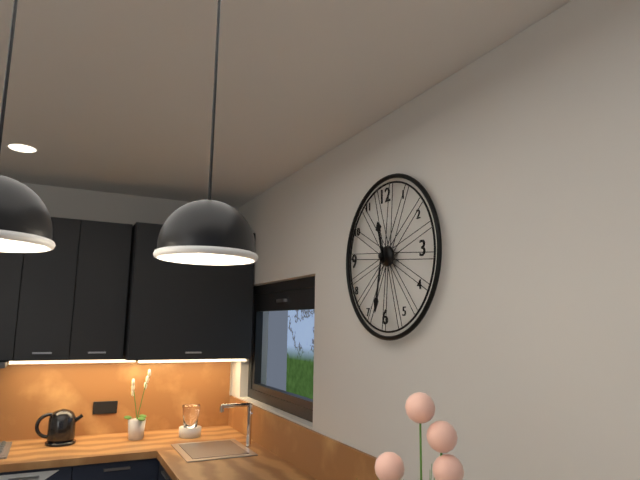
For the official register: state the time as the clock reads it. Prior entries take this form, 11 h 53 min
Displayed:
11 h 32 min
